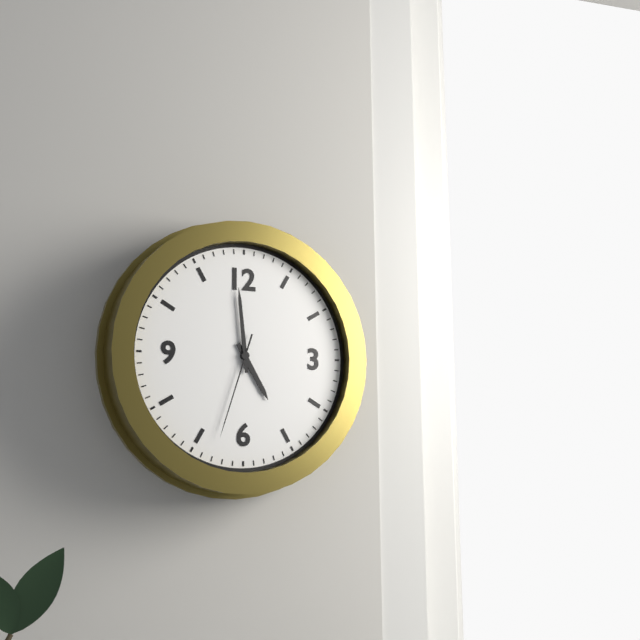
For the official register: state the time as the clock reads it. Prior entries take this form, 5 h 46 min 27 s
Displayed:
4 h 59 min 33 s
